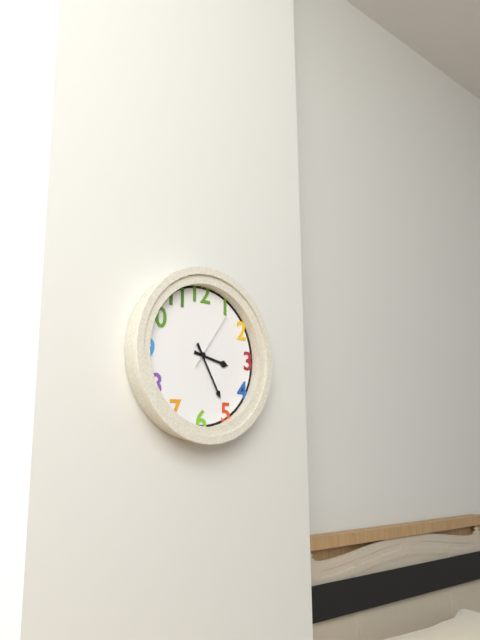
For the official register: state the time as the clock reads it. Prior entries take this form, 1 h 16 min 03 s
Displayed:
3 h 25 min 06 s
